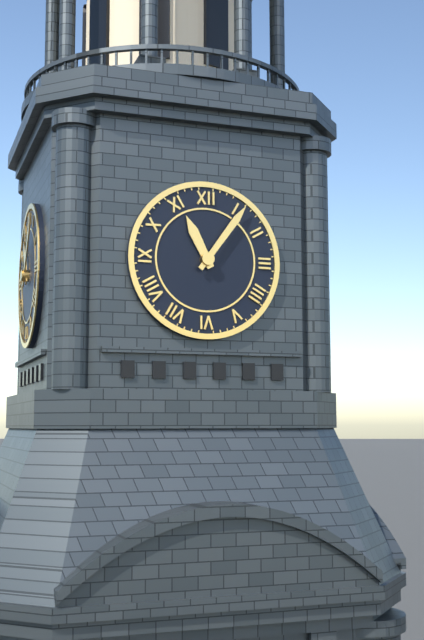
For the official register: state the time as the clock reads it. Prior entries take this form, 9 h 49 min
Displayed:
11 h 06 min
